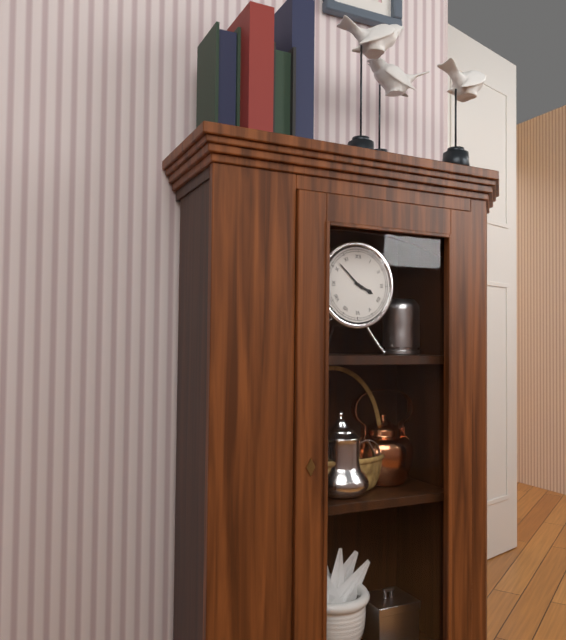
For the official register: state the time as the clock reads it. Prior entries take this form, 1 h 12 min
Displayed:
3 h 52 min
